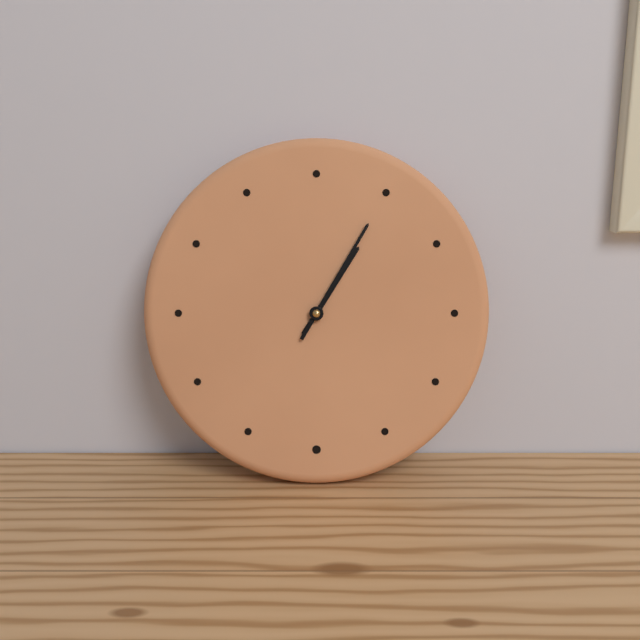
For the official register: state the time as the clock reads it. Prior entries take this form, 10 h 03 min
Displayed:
1 h 05 min
